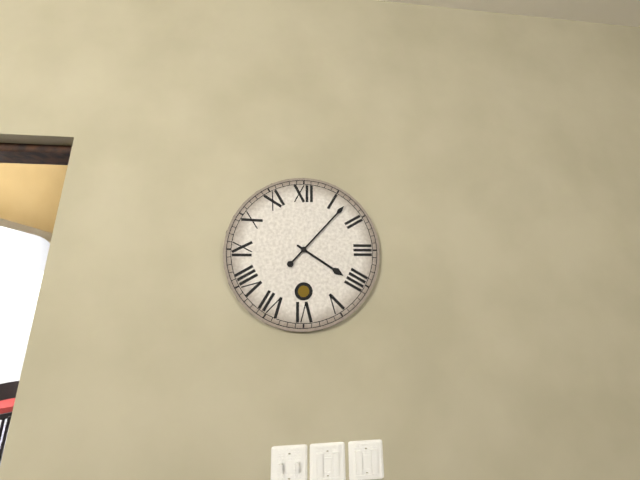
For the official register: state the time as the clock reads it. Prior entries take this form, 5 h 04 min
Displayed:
4 h 07 min
